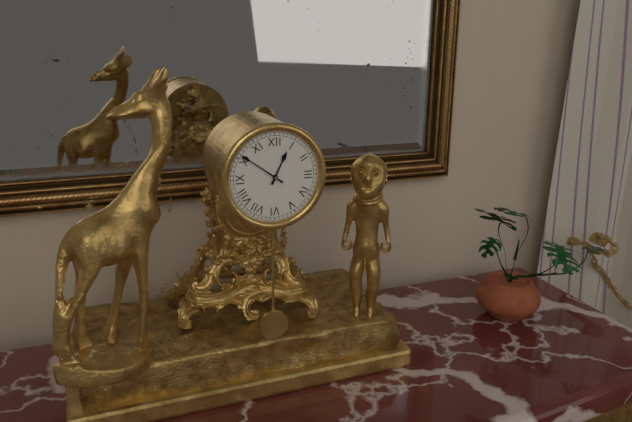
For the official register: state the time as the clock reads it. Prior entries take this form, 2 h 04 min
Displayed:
12 h 51 min
